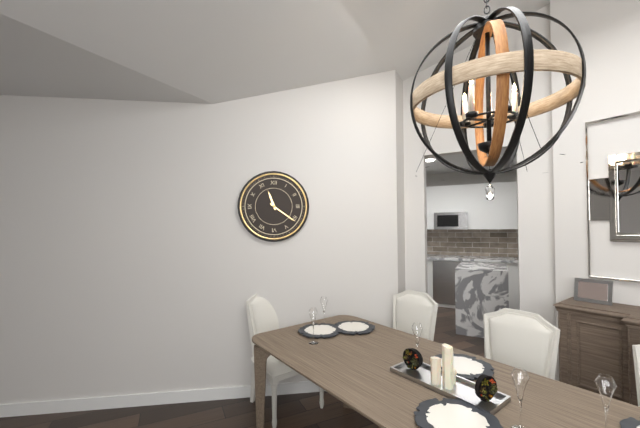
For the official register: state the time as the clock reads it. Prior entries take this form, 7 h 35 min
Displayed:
11 h 21 min
